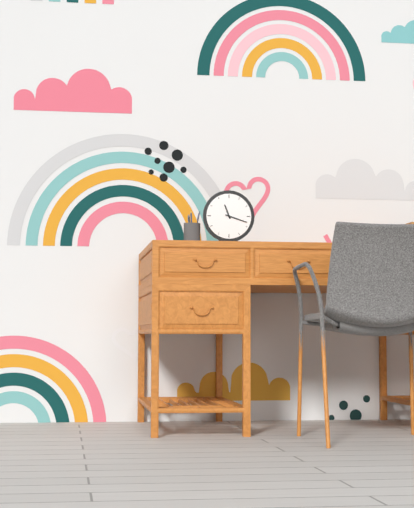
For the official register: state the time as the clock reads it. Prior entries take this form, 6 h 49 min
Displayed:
11 h 18 min
